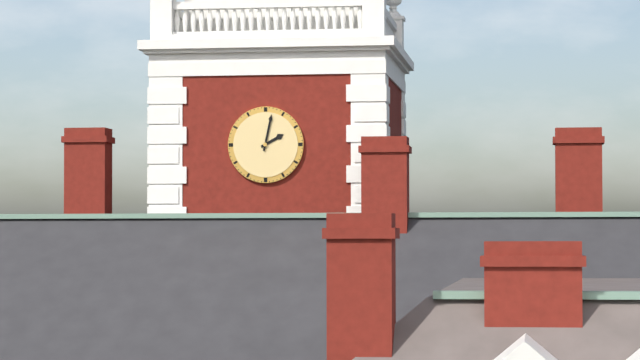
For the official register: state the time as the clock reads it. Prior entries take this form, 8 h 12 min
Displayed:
2 h 02 min
